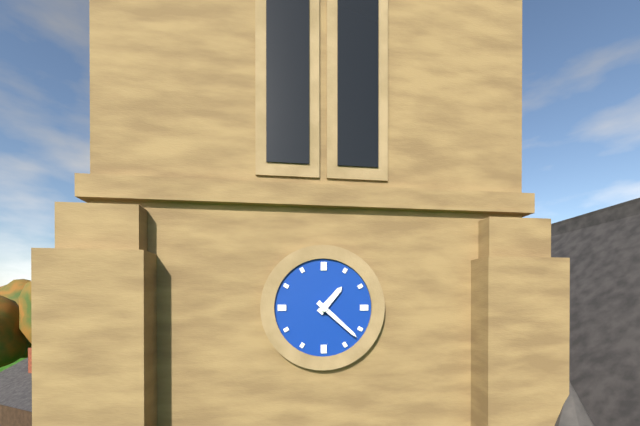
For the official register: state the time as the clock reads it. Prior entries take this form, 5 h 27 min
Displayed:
1 h 22 min
